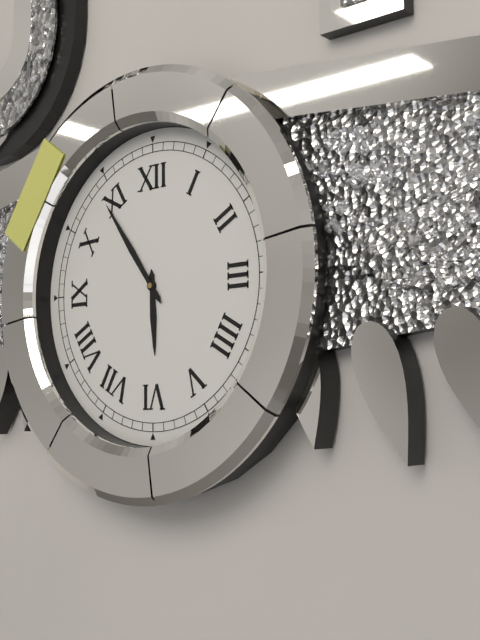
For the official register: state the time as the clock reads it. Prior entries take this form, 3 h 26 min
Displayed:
5 h 54 min
